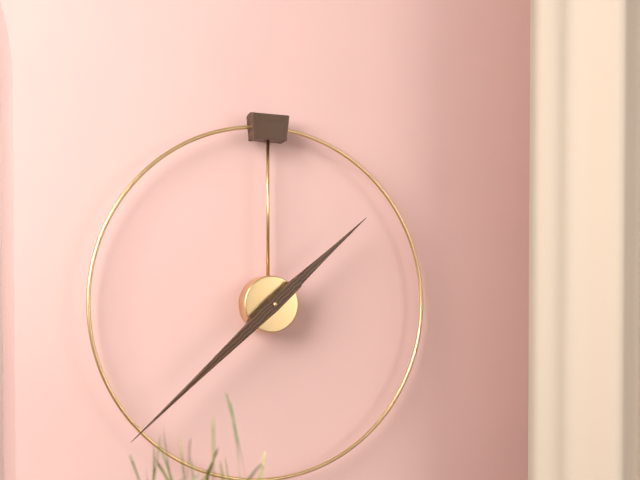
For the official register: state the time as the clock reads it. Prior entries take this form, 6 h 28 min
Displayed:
1 h 38 min
